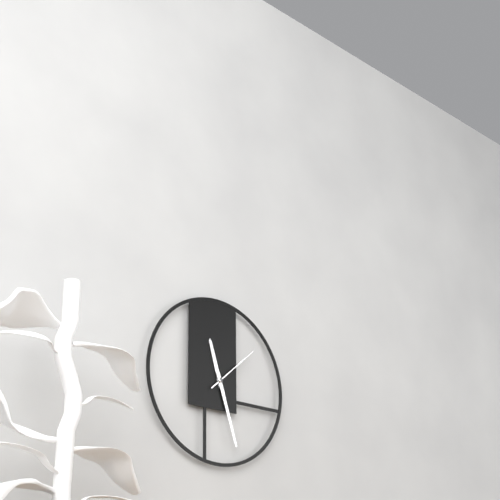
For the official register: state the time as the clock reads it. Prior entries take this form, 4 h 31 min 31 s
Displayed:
11 h 27 min 08 s
